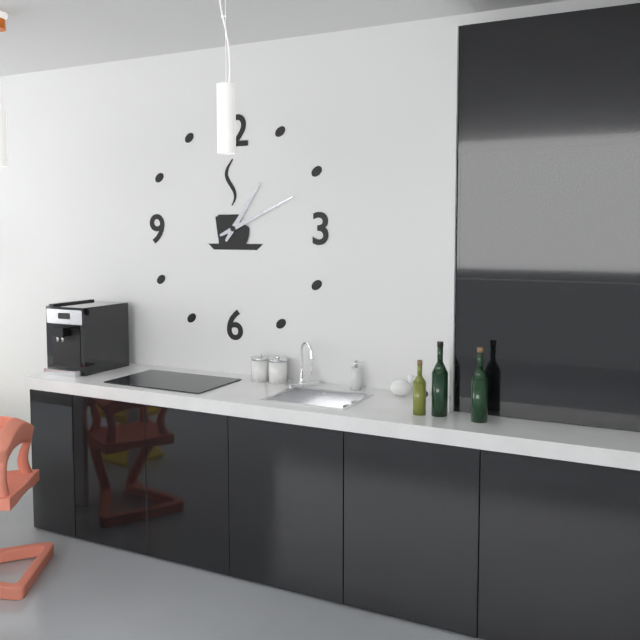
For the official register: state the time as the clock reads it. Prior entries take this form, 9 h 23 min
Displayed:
1 h 11 min
